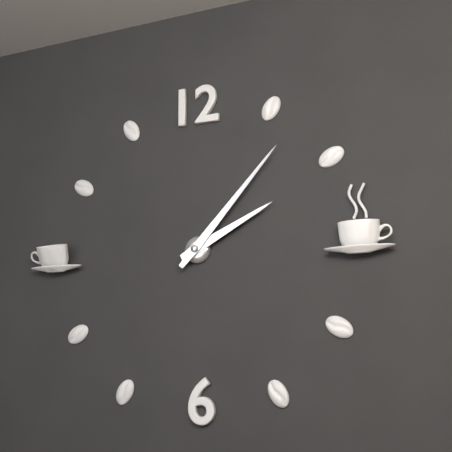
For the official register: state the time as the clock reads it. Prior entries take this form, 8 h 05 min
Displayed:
2 h 07 min
